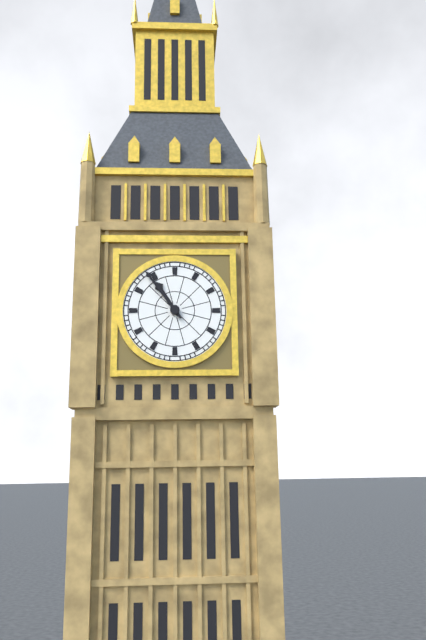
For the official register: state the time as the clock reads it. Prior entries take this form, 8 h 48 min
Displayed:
10 h 54 min
